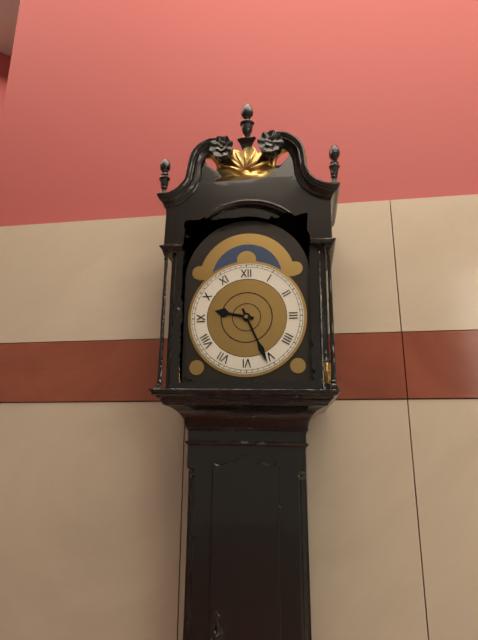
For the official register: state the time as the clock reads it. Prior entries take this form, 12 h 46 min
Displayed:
9 h 26 min
